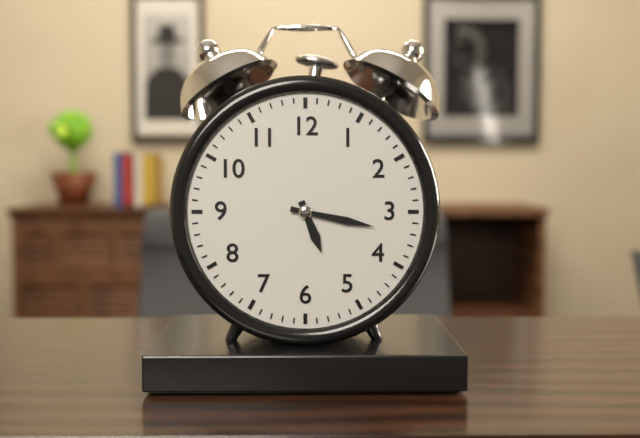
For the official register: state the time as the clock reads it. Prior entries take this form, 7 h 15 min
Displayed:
5 h 17 min
